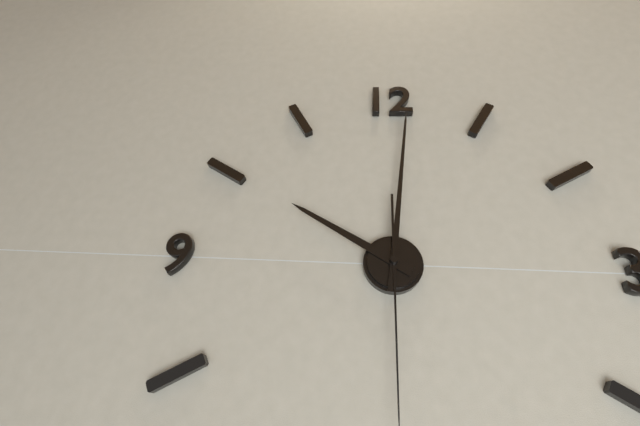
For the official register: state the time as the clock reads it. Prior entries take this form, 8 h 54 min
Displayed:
10 h 01 min
